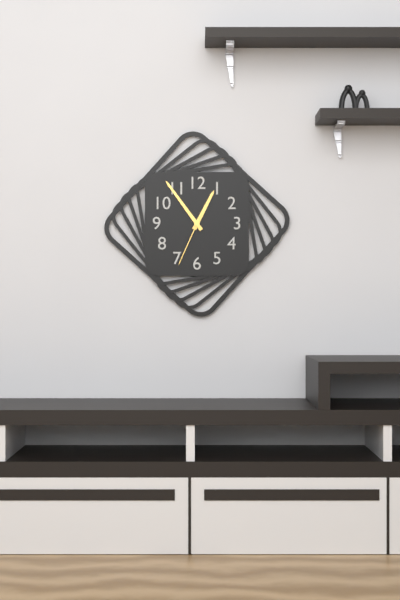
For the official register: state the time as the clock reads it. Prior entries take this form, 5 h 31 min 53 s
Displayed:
12 h 54 min 34 s
